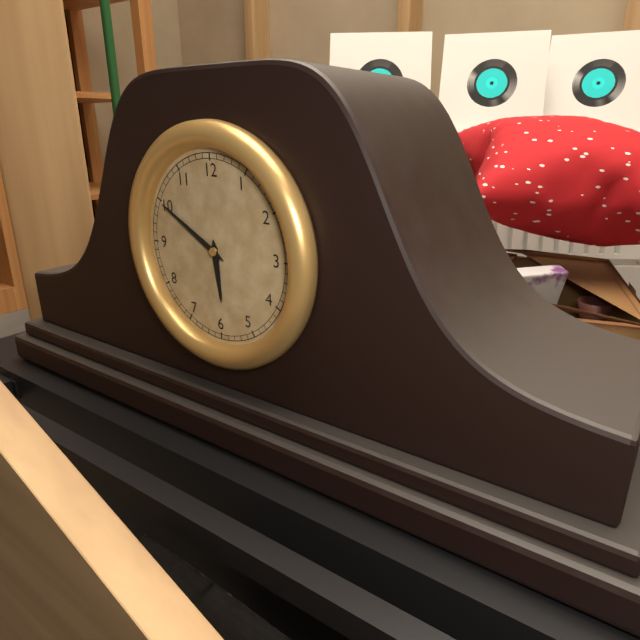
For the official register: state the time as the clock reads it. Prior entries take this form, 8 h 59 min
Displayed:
5 h 50 min
